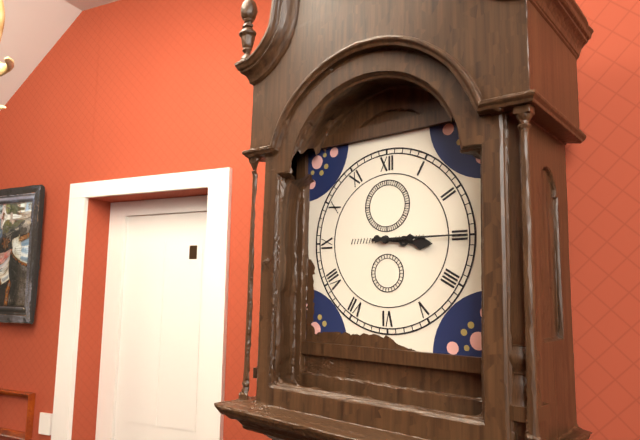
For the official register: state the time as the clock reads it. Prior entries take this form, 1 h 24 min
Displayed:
3 h 15 min
